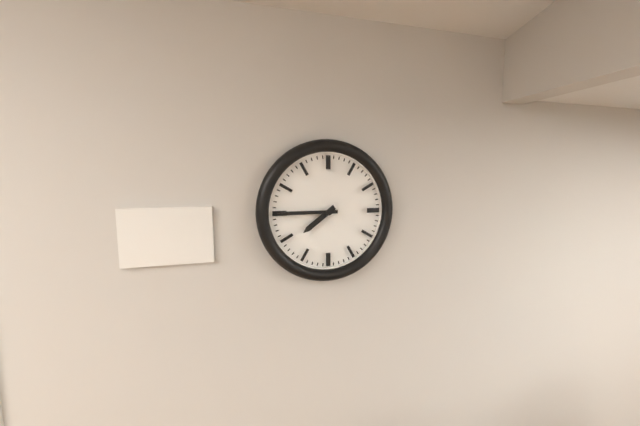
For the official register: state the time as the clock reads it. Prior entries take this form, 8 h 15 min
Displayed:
7 h 45 min
